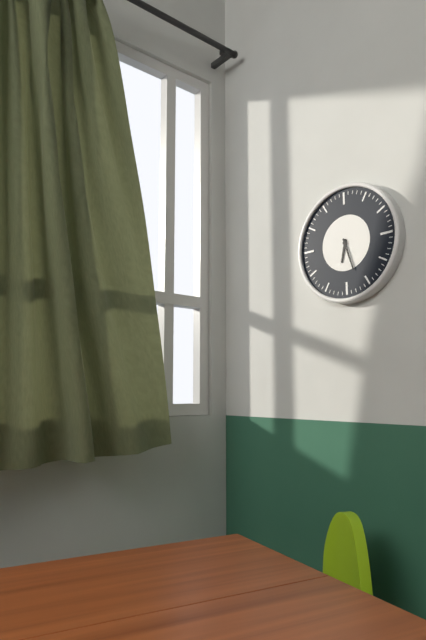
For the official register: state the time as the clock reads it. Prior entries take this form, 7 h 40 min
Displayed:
6 h 27 min
